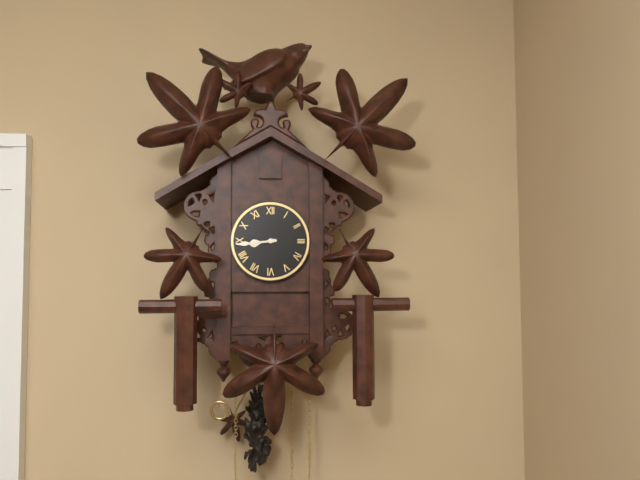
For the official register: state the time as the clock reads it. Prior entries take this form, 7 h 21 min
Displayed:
8 h 44 min
